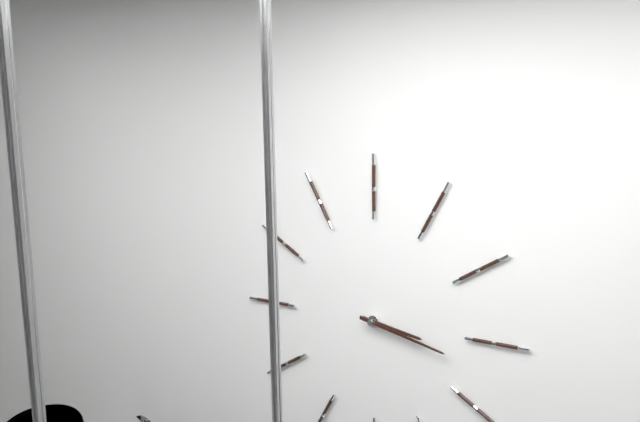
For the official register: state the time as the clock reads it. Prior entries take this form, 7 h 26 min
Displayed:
3 h 17 min
